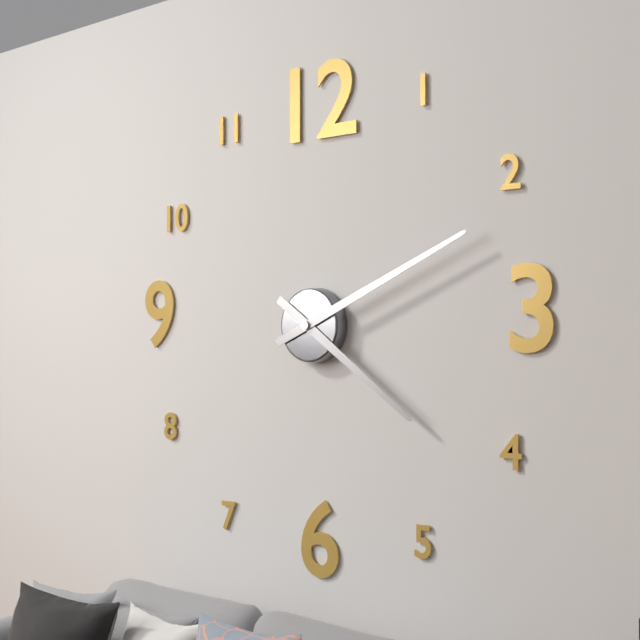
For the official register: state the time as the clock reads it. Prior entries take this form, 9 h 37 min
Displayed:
4 h 11 min
